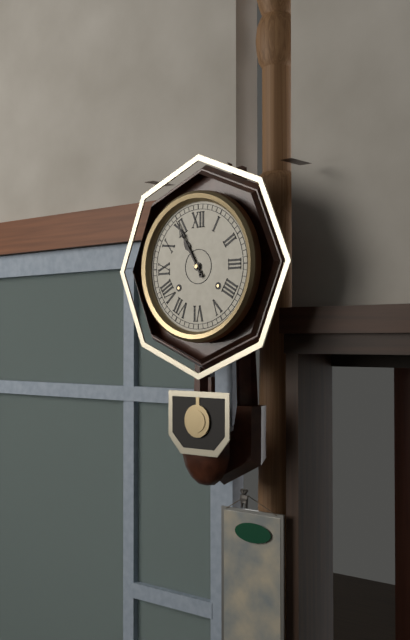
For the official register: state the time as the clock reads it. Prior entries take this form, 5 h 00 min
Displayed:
10 h 55 min
